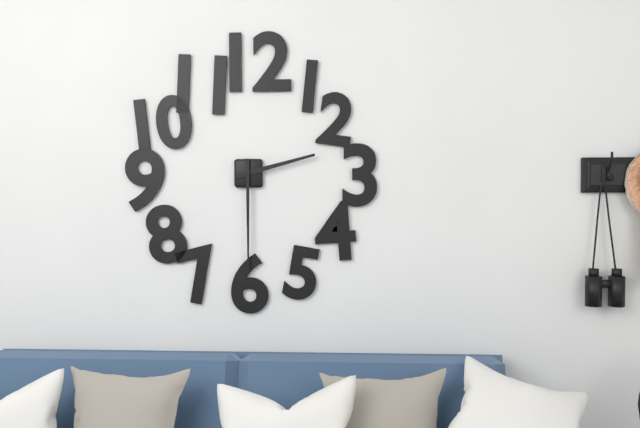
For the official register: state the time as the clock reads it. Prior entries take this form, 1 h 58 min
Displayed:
2 h 30 min
